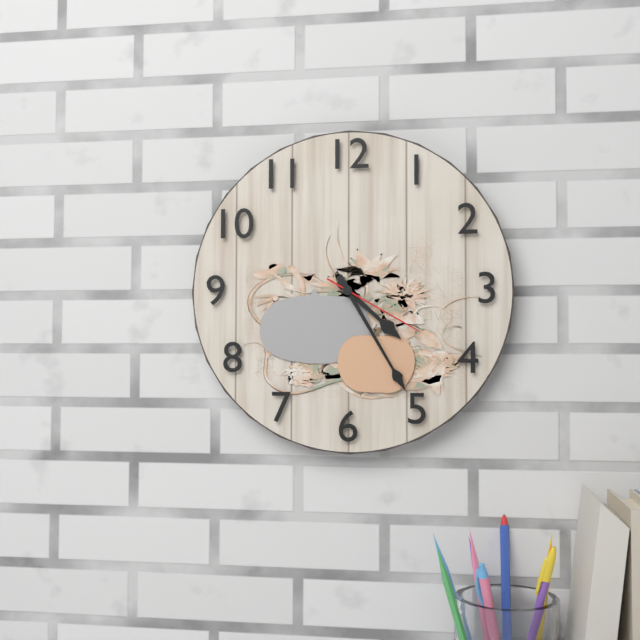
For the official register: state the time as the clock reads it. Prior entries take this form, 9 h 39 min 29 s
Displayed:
4 h 25 min 20 s
